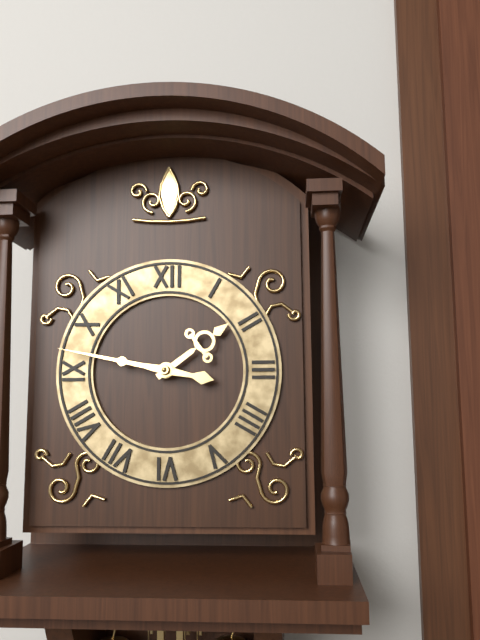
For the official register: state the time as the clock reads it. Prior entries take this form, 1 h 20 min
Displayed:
1 h 47 min
